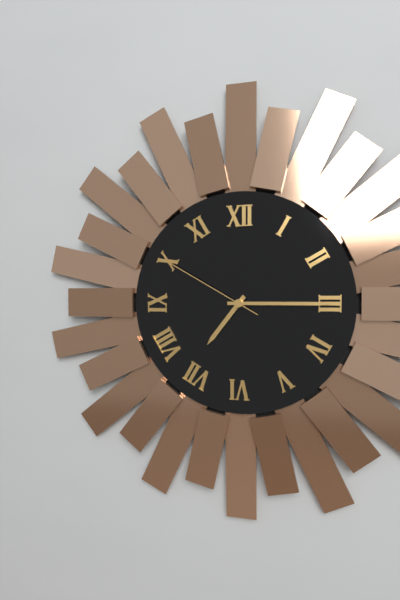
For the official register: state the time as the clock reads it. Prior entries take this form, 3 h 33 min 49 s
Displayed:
7 h 15 min 50 s
